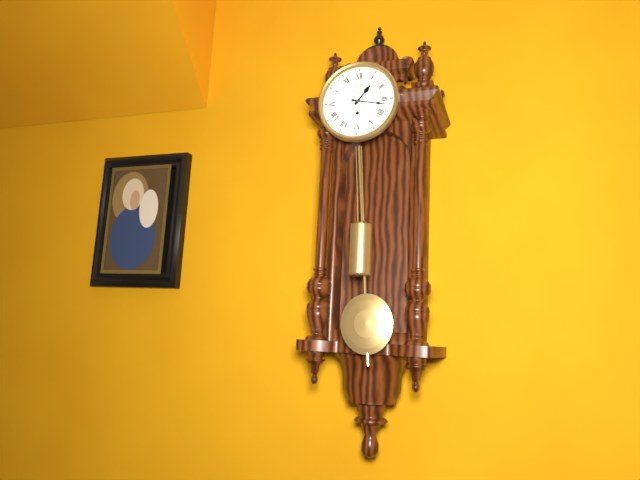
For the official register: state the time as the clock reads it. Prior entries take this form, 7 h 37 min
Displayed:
1 h 17 min
